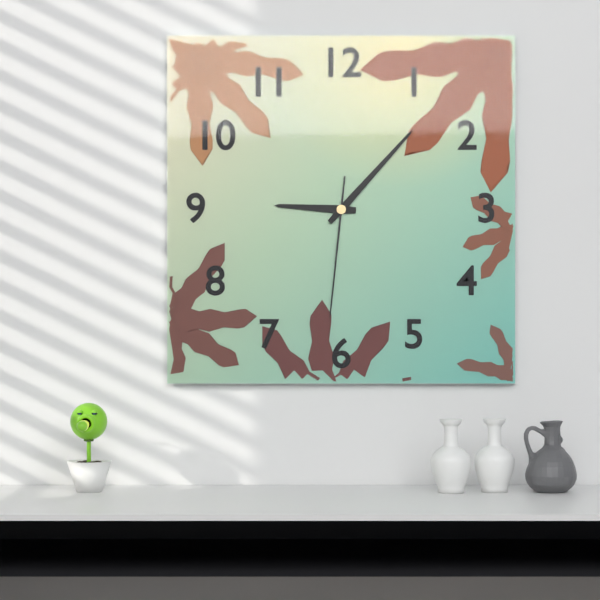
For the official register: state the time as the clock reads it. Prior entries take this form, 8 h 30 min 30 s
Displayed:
9 h 07 min 31 s
